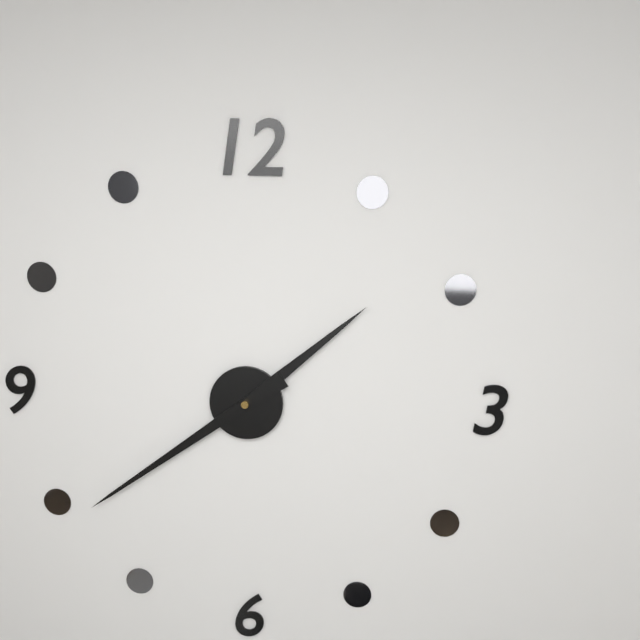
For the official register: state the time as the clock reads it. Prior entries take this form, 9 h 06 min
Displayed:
1 h 39 min
